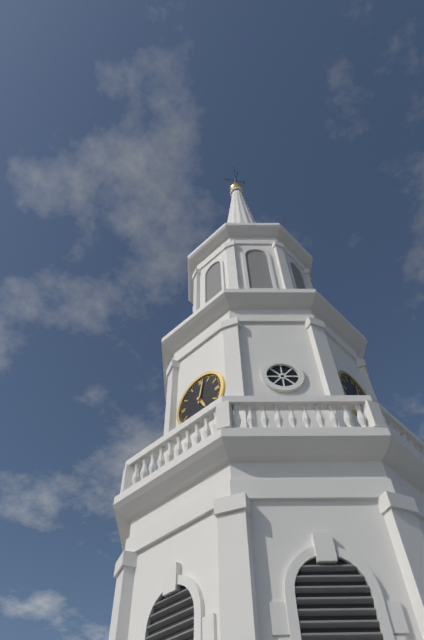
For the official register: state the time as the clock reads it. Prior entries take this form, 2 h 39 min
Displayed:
5 h 02 min
